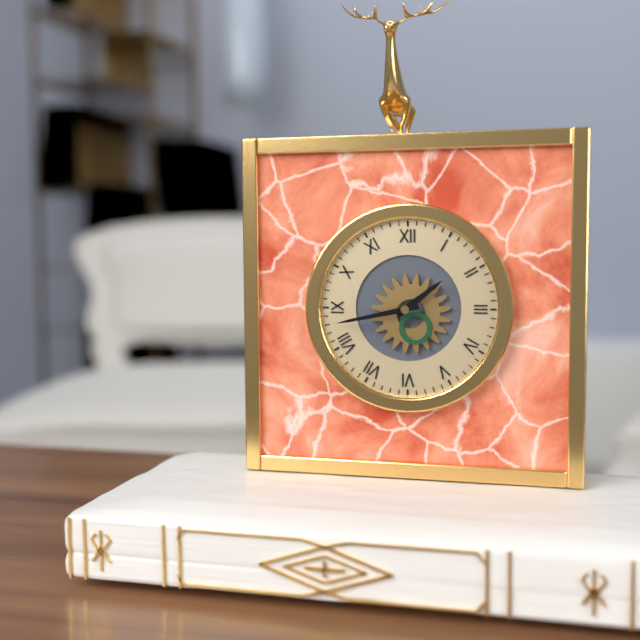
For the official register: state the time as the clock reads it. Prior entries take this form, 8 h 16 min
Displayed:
1 h 43 min
